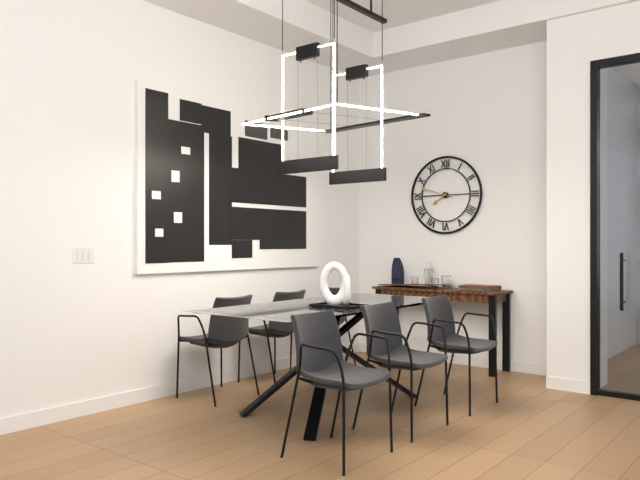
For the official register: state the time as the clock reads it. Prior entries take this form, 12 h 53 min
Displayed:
7 h 48 min
